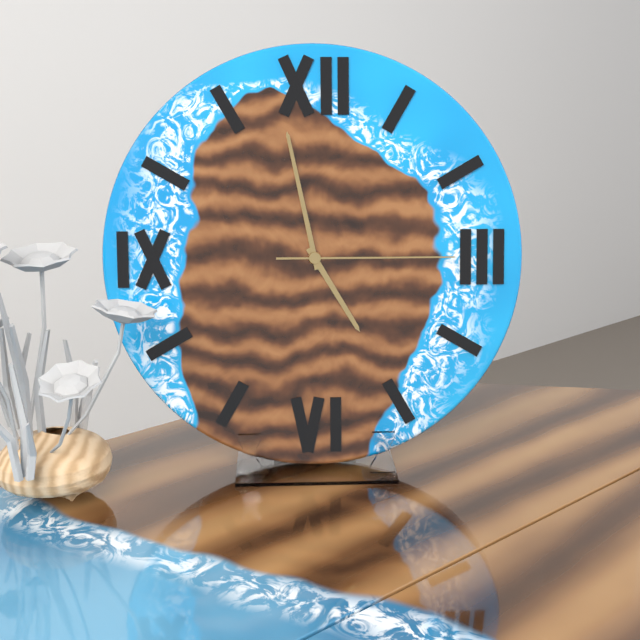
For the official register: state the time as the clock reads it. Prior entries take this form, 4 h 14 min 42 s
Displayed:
4 h 58 min 15 s
